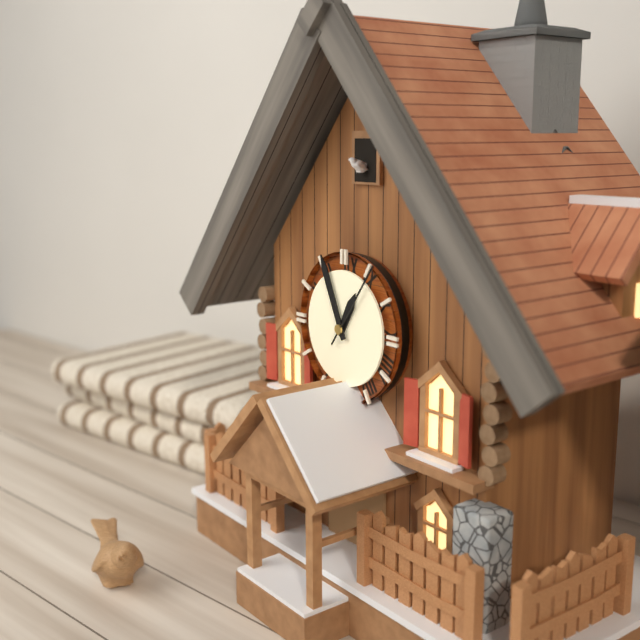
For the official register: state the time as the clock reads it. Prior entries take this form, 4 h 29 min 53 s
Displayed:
12 h 56 min 06 s
